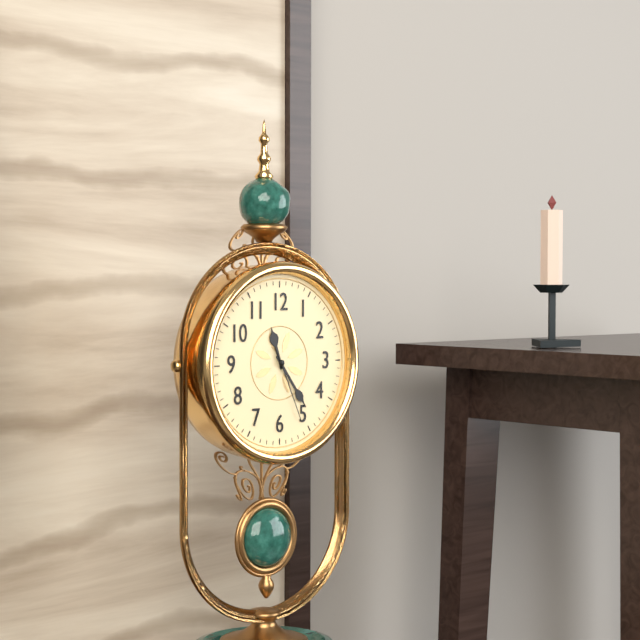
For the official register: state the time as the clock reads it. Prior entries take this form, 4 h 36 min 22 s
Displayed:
11 h 24 min 26 s
